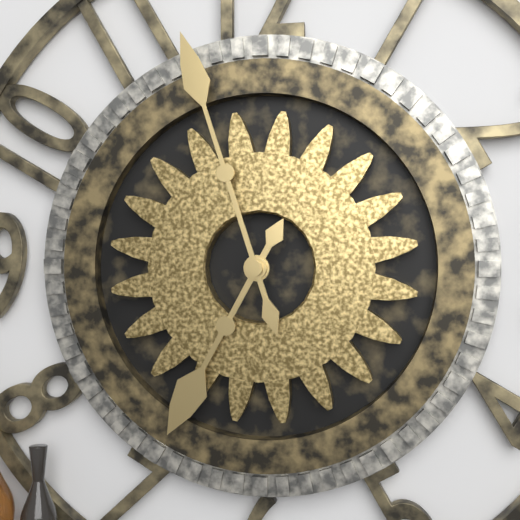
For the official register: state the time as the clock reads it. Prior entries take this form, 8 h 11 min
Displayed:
6 h 57 min
